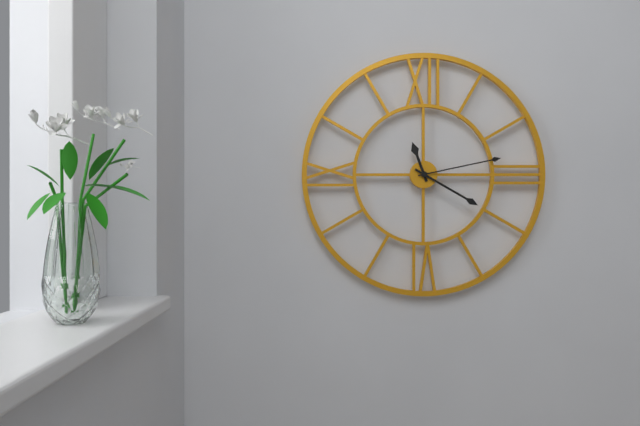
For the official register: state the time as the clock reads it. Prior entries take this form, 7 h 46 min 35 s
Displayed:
11 h 20 min 13 s
